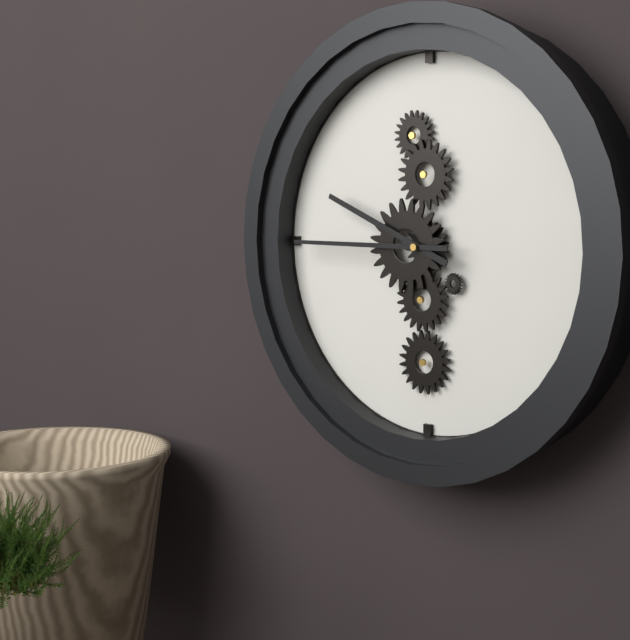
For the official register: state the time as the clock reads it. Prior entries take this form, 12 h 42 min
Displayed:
9 h 45 min
